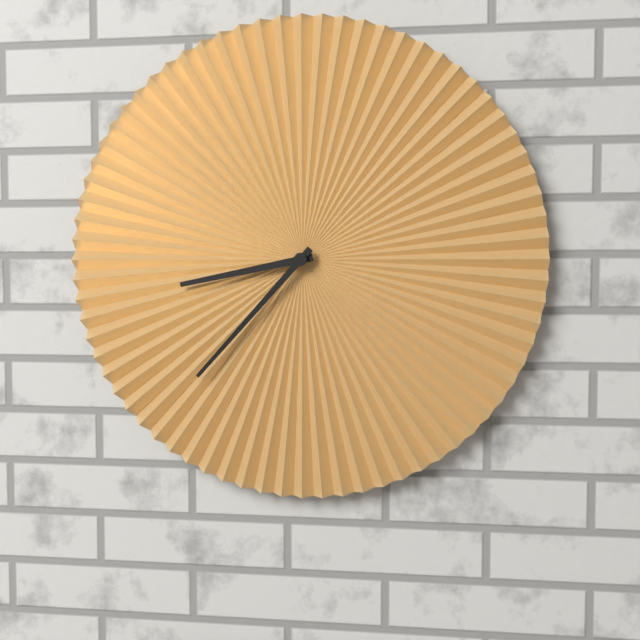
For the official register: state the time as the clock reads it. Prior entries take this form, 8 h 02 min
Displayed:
8 h 37 min
